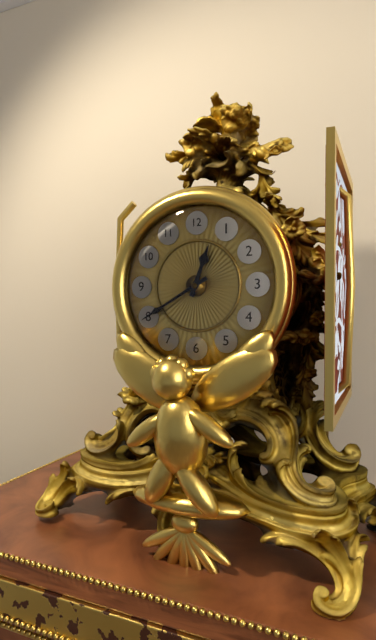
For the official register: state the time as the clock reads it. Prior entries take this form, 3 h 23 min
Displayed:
12 h 40 min
